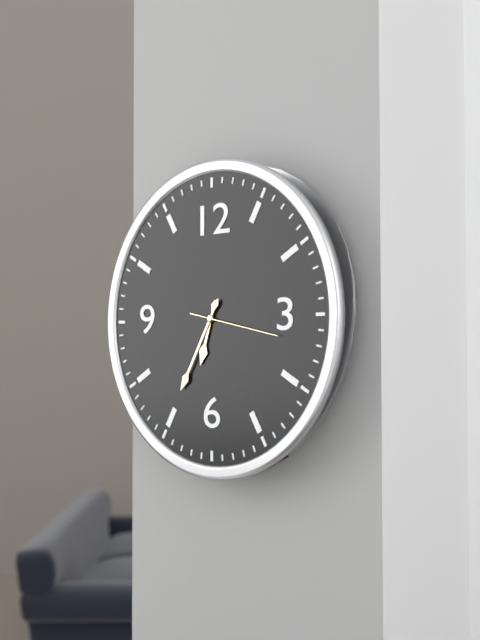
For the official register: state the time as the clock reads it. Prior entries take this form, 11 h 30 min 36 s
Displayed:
6 h 35 min 17 s
